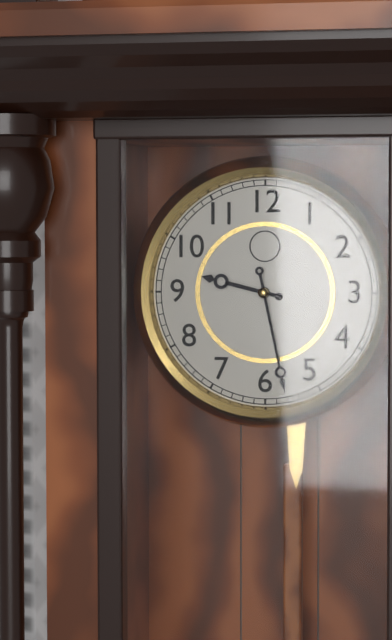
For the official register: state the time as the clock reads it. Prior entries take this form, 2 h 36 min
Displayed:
9 h 28 min
